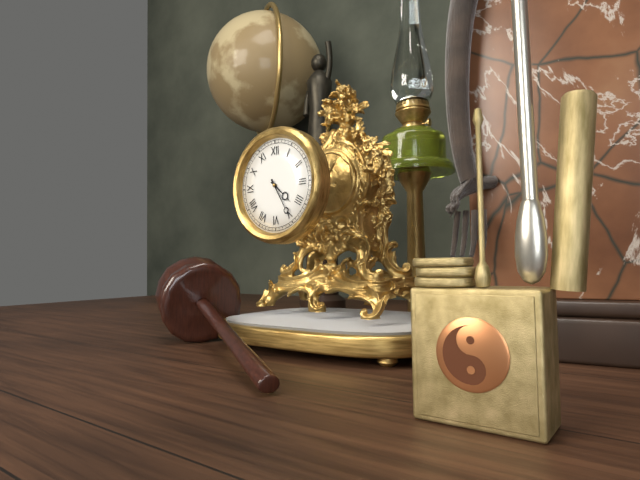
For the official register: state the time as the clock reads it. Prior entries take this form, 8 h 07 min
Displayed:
4 h 25 min
